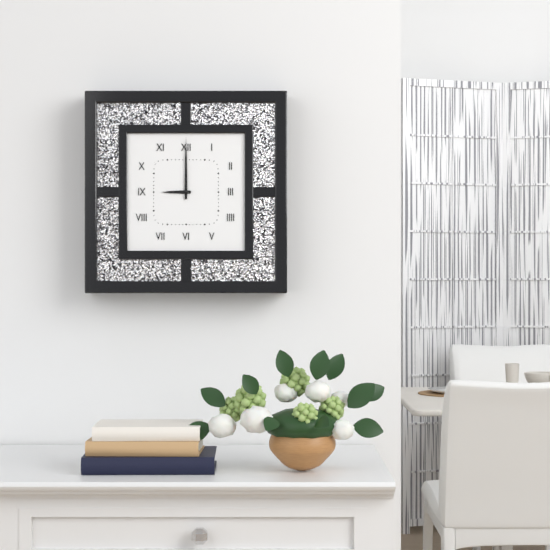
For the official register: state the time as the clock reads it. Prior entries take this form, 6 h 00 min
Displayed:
9 h 00 min
